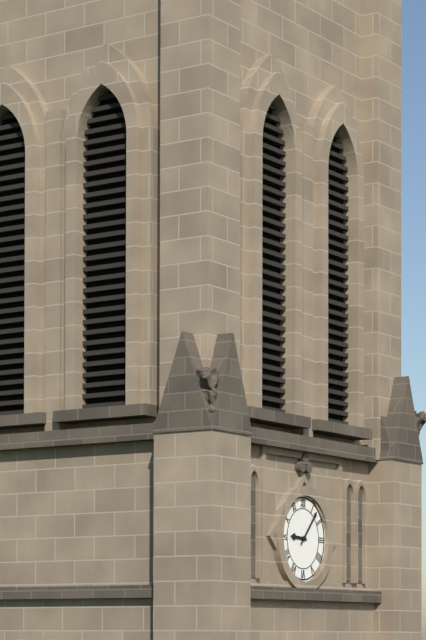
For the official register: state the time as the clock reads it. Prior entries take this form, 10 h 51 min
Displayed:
9 h 07 min
